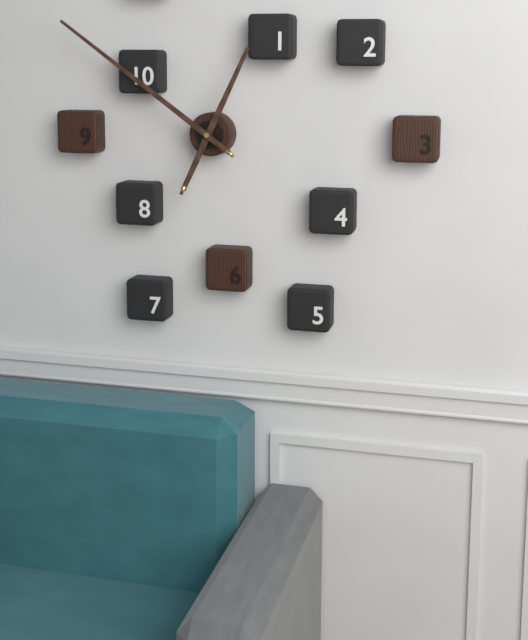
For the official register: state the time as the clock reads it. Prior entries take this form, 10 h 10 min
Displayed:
12 h 51 min
